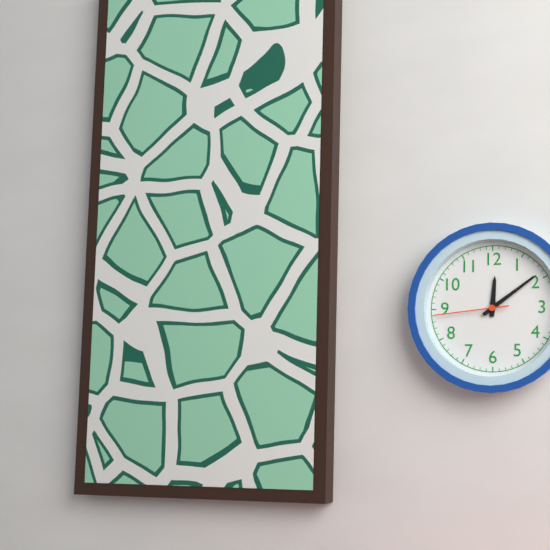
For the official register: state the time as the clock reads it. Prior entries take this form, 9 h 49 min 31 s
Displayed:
12 h 09 min 44 s
